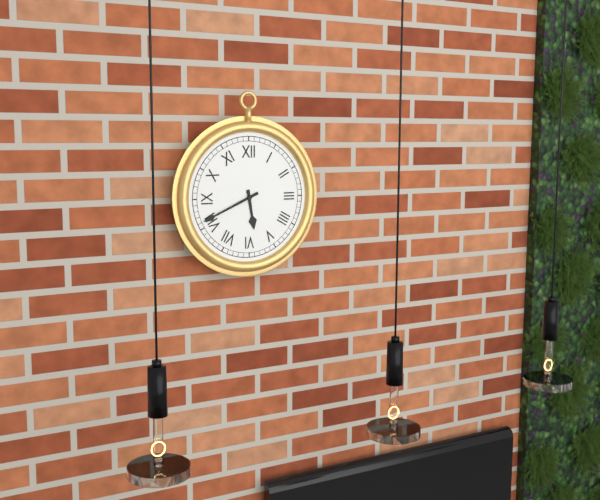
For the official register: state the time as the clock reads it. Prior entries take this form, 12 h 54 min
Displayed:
5 h 41 min
